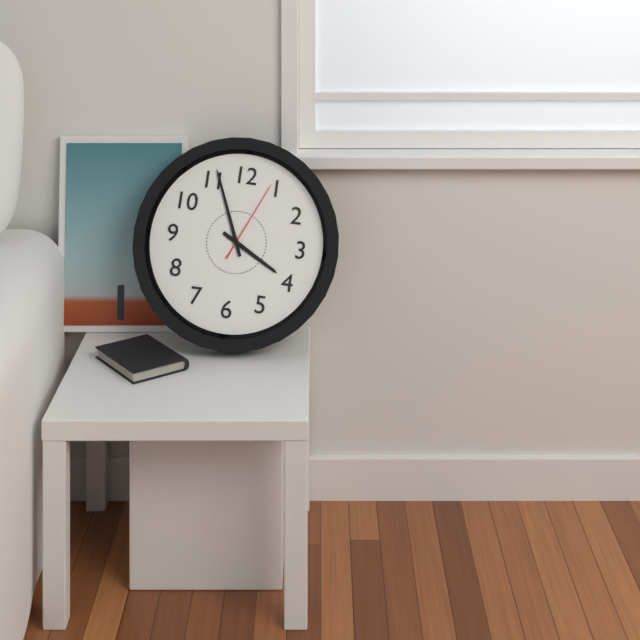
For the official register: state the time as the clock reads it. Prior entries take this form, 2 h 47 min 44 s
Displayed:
3 h 56 min 04 s
